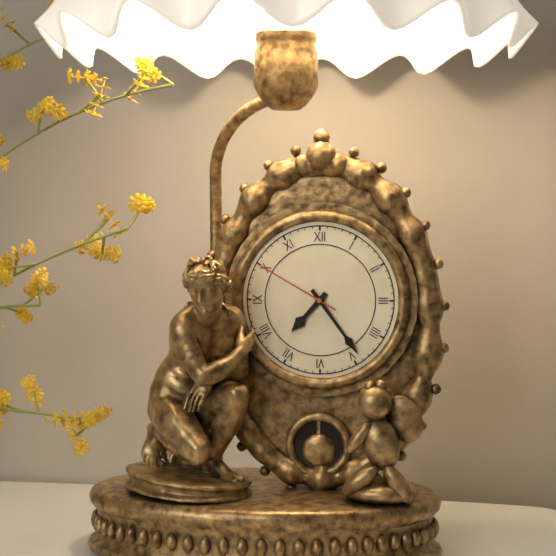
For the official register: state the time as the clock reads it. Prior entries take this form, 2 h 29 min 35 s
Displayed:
7 h 24 min 50 s
